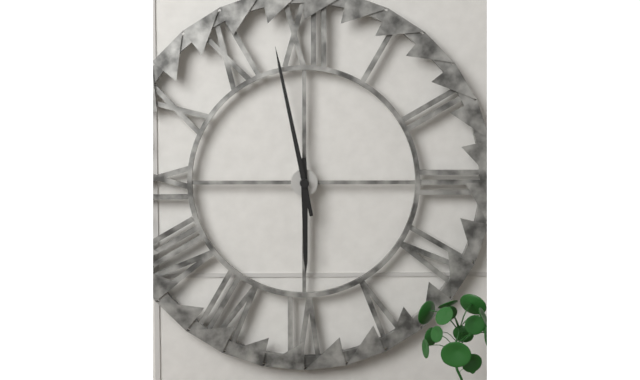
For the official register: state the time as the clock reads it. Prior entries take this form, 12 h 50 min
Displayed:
5 h 58 min
